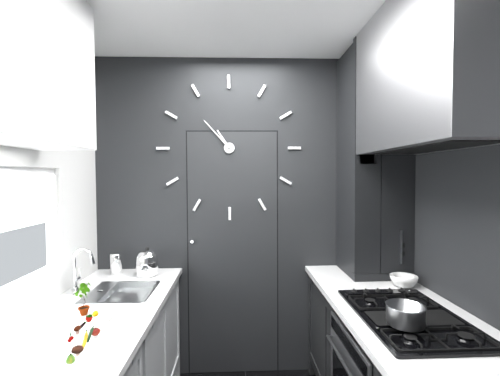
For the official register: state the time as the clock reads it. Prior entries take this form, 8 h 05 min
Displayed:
10 h 53 min
